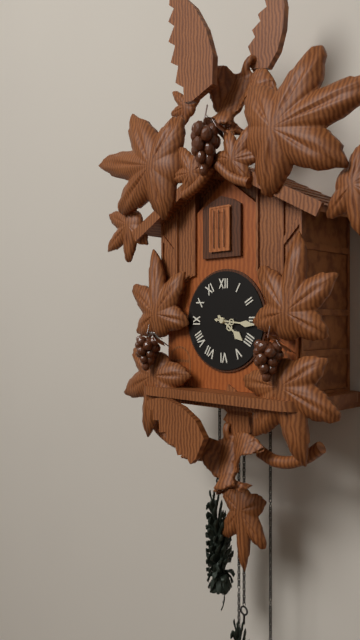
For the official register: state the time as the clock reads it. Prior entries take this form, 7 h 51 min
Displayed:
4 h 16 min
